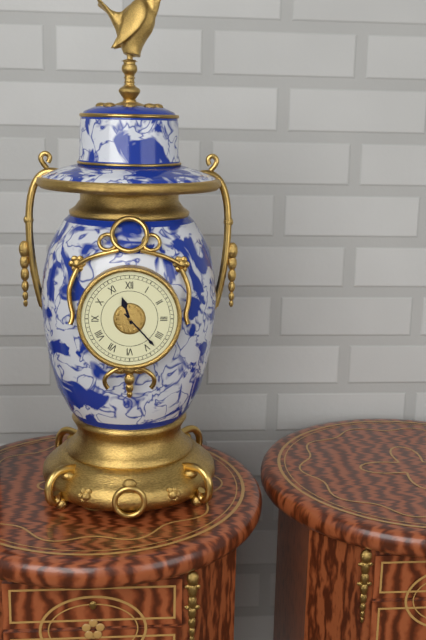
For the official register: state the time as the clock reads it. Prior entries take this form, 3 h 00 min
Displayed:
11 h 23 min
